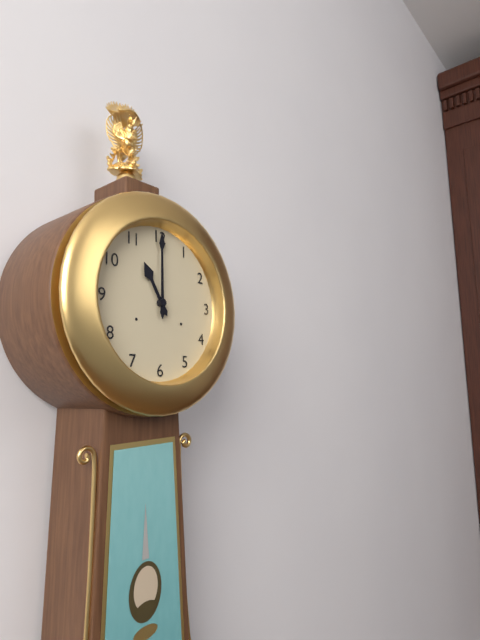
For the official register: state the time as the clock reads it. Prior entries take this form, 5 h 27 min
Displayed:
11 h 00 min
